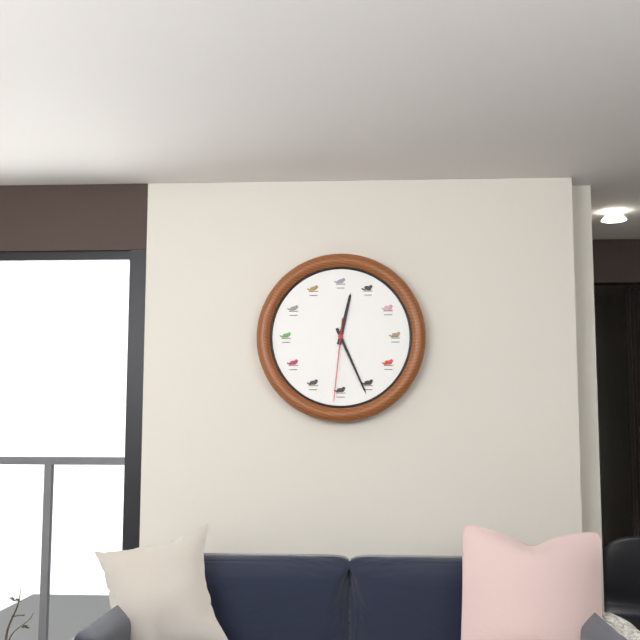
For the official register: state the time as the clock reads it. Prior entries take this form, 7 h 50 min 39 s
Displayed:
12 h 26 min 31 s
